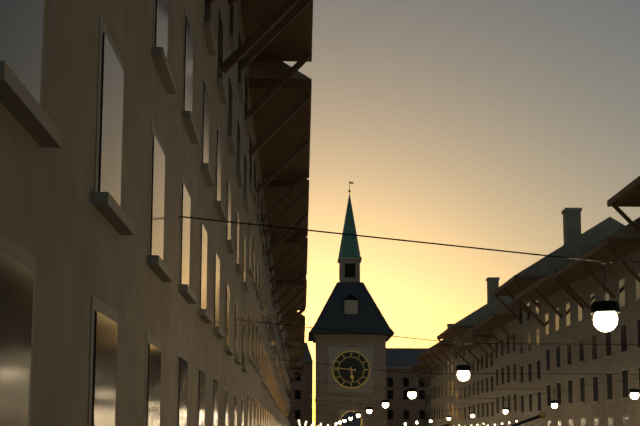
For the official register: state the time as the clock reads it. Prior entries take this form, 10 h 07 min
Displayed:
5 h 46 min
